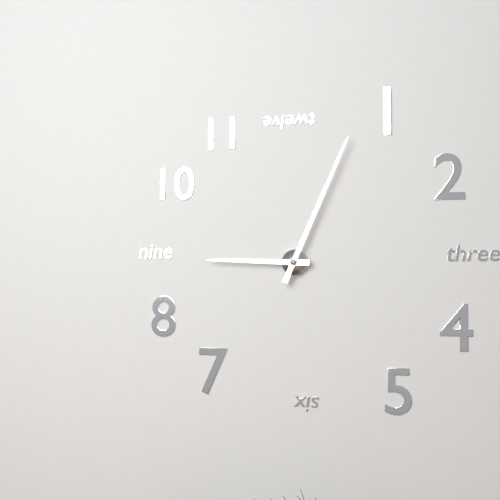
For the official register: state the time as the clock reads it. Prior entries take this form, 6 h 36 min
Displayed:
9 h 04 min
